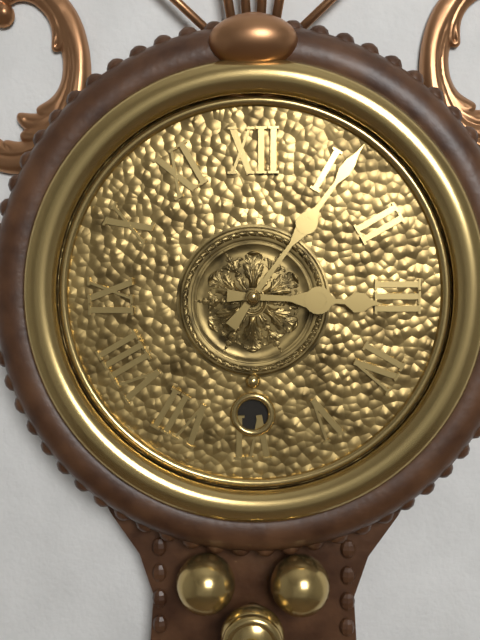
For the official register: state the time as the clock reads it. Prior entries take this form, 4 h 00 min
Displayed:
3 h 06 min
